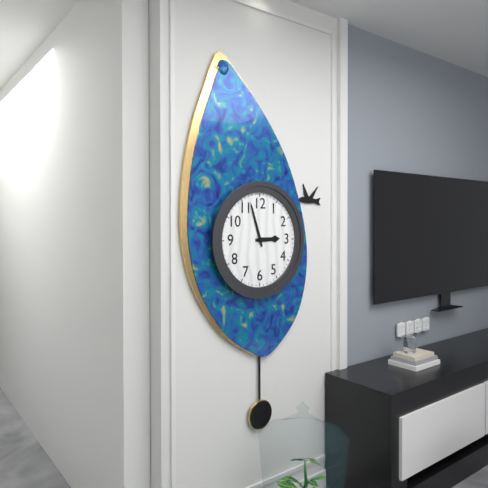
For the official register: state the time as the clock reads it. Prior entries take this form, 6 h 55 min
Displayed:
2 h 57 min
